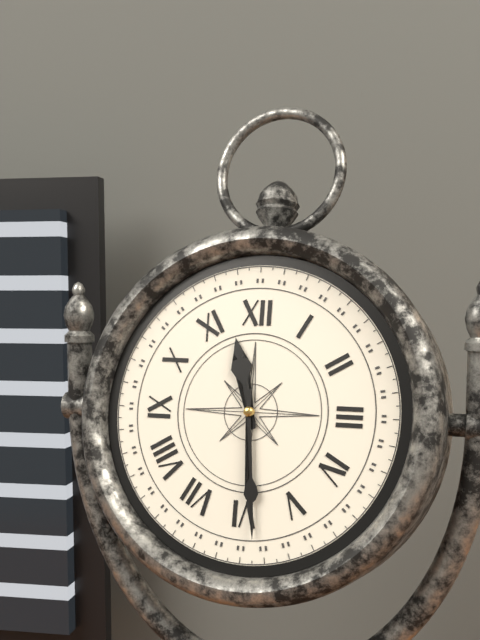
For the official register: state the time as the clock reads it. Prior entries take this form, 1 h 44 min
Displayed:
11 h 29 min
